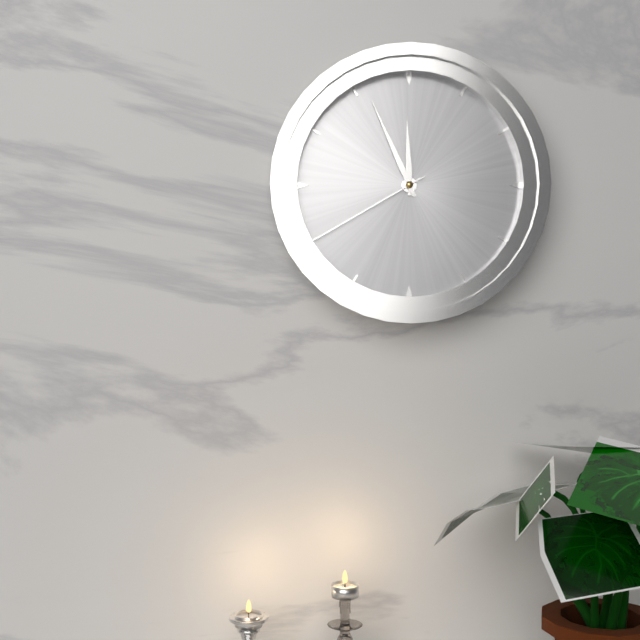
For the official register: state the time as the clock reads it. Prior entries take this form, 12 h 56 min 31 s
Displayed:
11 h 56 min 40 s
